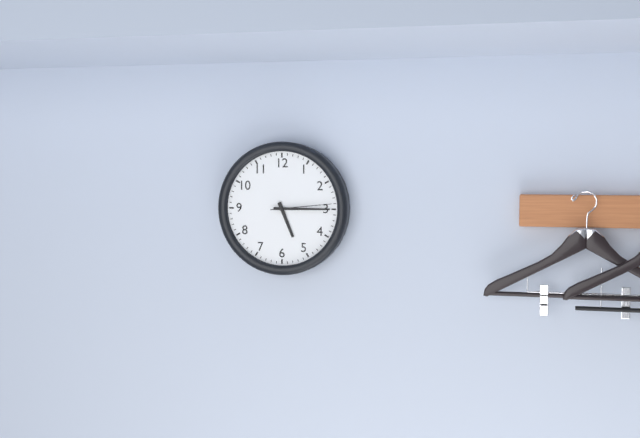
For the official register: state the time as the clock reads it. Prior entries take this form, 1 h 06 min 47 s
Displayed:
5 h 15 min 14 s
